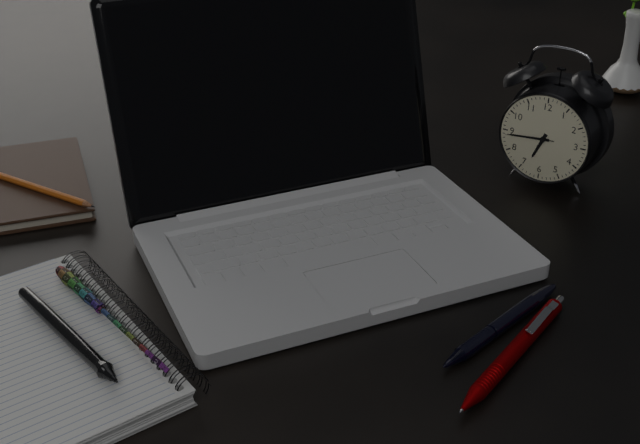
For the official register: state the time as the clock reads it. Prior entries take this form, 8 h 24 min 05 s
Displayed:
6 h 44 min 44 s
